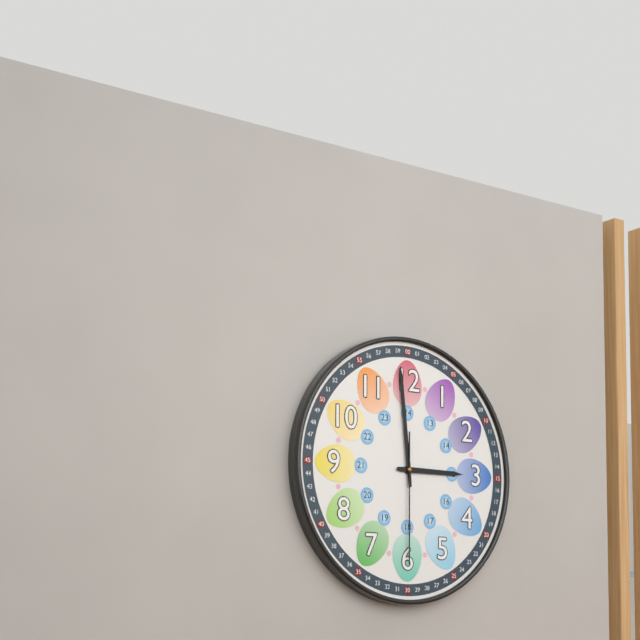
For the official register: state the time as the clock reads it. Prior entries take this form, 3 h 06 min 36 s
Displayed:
2 h 59 min 30 s
